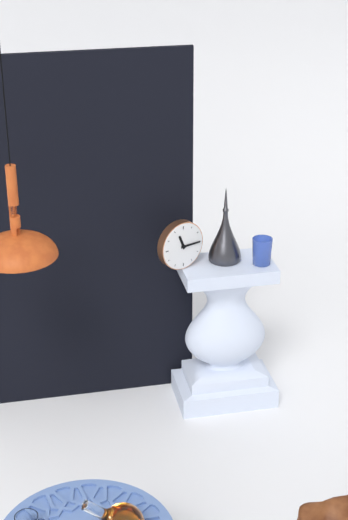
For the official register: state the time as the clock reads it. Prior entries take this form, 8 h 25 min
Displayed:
11 h 15 min
